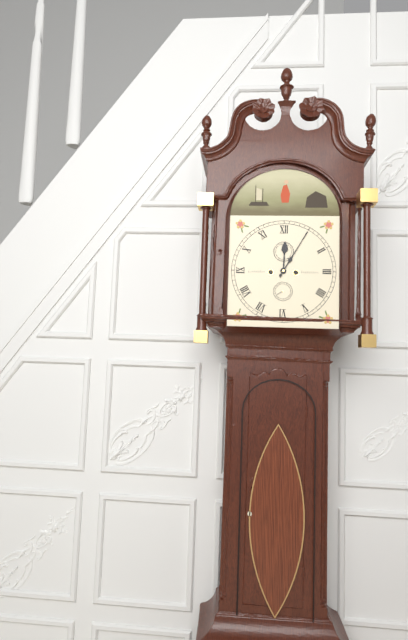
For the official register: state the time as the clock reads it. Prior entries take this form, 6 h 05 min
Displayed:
12 h 05 min
